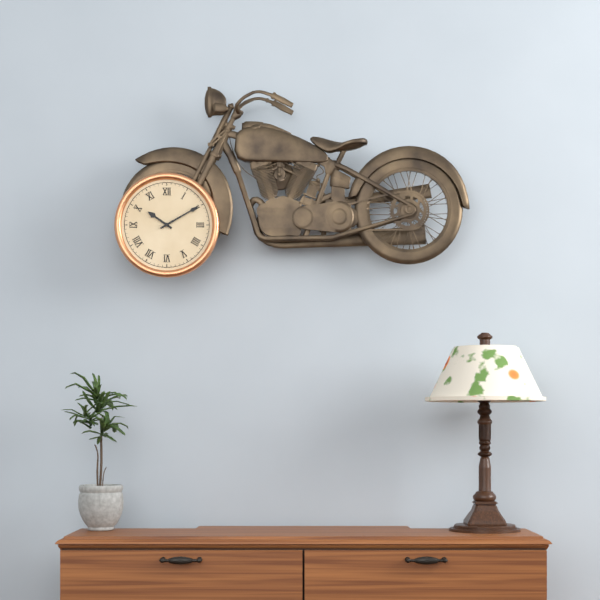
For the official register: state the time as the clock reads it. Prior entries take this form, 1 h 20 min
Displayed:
10 h 10 min
